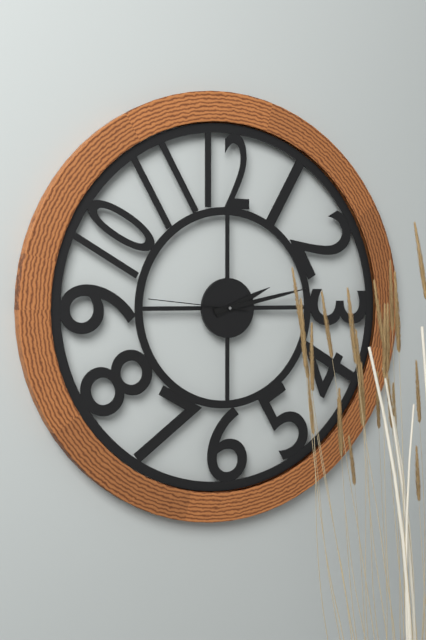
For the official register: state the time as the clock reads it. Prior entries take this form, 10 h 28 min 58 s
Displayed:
2 h 13 min 46 s
